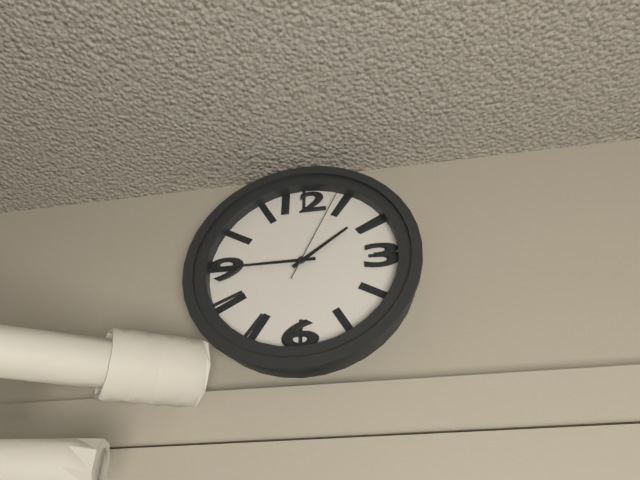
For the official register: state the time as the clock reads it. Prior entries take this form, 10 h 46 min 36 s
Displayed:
1 h 45 min 04 s
